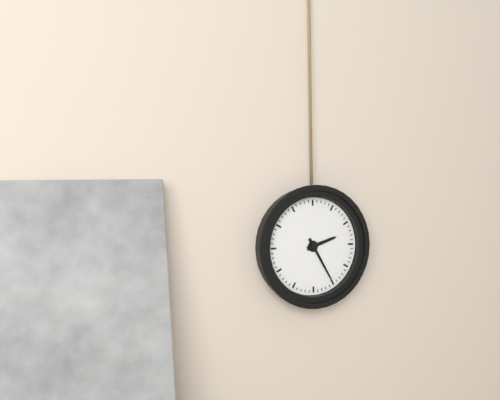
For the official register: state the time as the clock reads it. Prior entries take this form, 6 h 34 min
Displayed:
2 h 25 min
